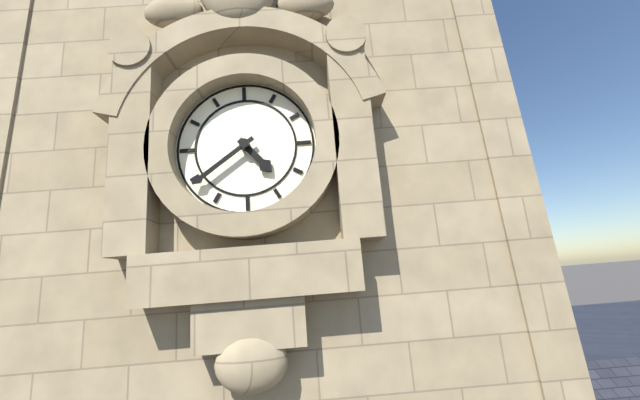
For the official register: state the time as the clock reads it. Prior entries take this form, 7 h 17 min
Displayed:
4 h 39 min
